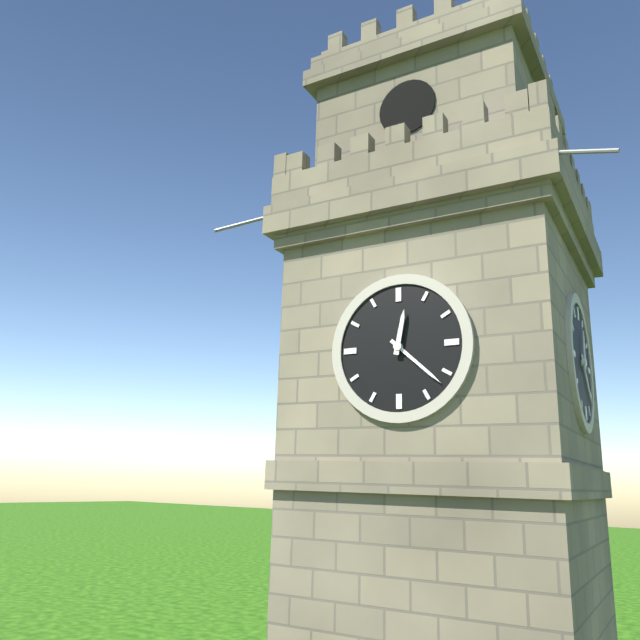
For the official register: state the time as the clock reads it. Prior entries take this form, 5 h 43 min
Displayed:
12 h 22 min
